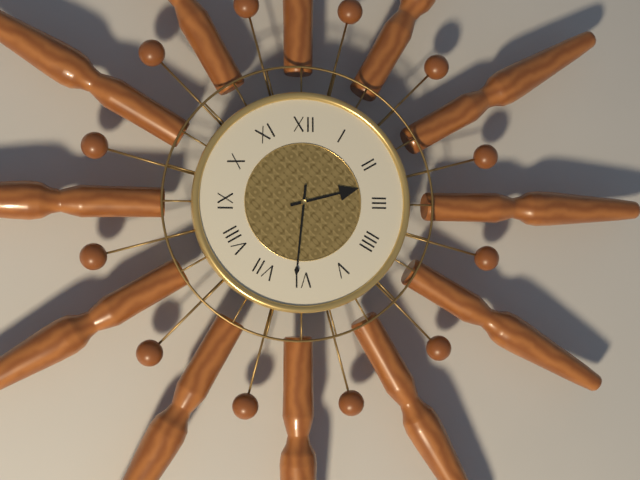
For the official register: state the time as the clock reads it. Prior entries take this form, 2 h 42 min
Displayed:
2 h 31 min
